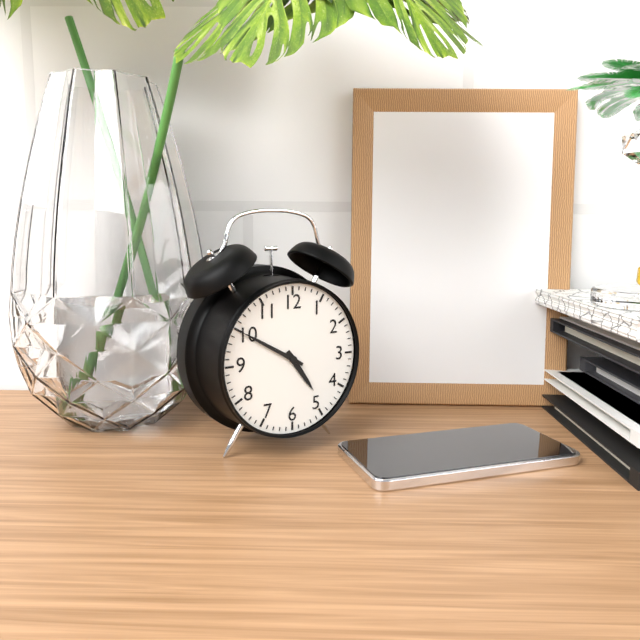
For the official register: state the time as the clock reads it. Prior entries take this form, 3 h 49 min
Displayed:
4 h 50 min
